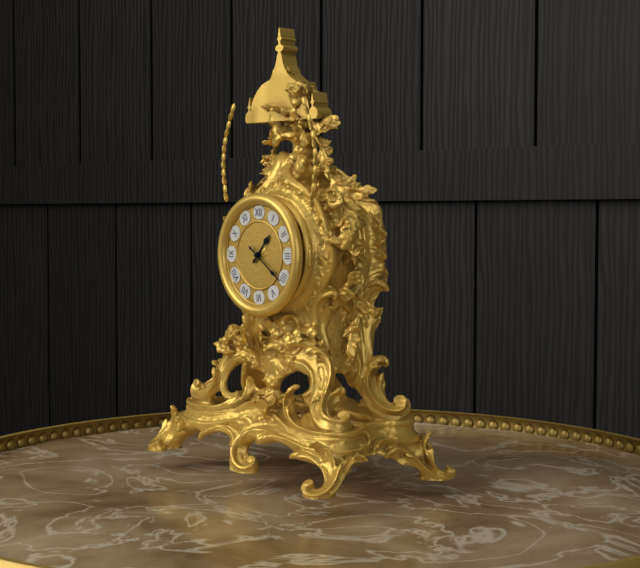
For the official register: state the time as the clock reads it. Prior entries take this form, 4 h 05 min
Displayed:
1 h 21 min
